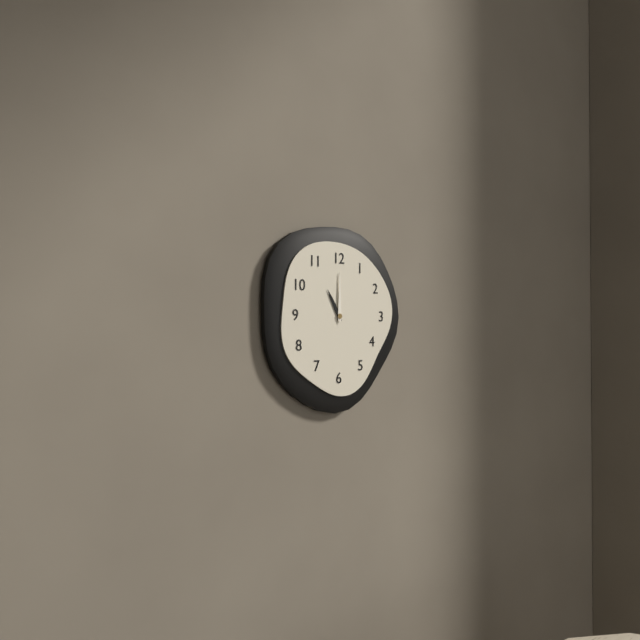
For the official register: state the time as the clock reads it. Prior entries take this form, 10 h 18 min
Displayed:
11 h 00 min
